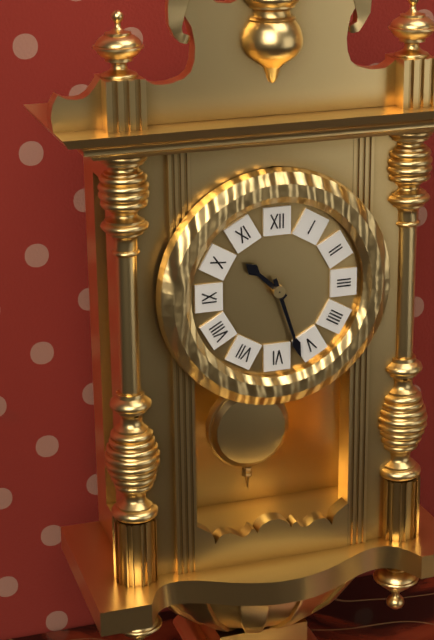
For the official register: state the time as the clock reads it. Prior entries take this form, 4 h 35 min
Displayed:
10 h 27 min
